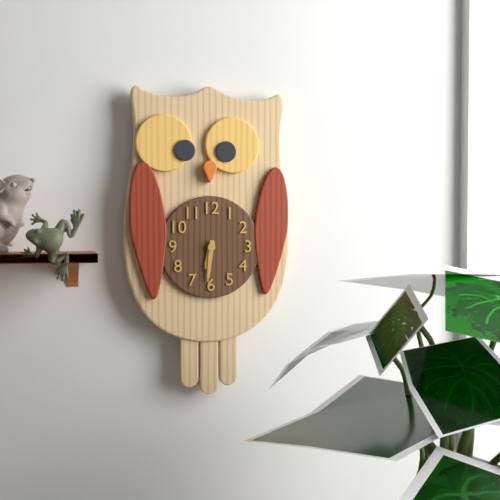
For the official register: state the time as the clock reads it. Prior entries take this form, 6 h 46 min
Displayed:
6 h 31 min
